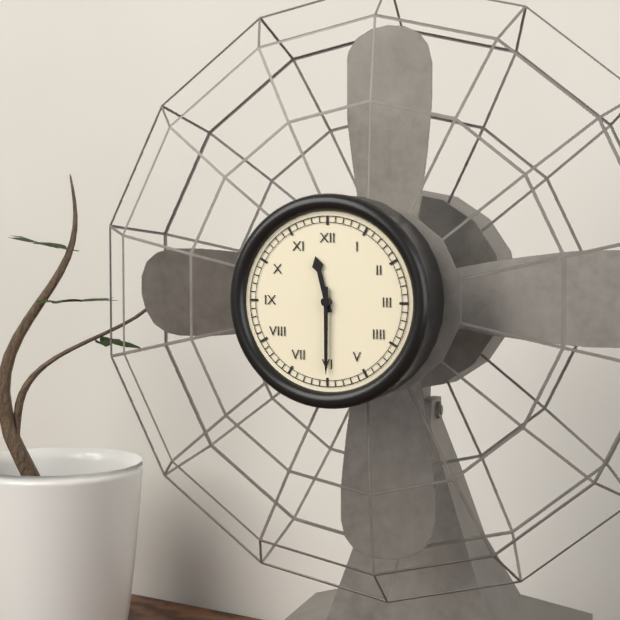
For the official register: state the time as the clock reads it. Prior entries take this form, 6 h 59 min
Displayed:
11 h 30 min
